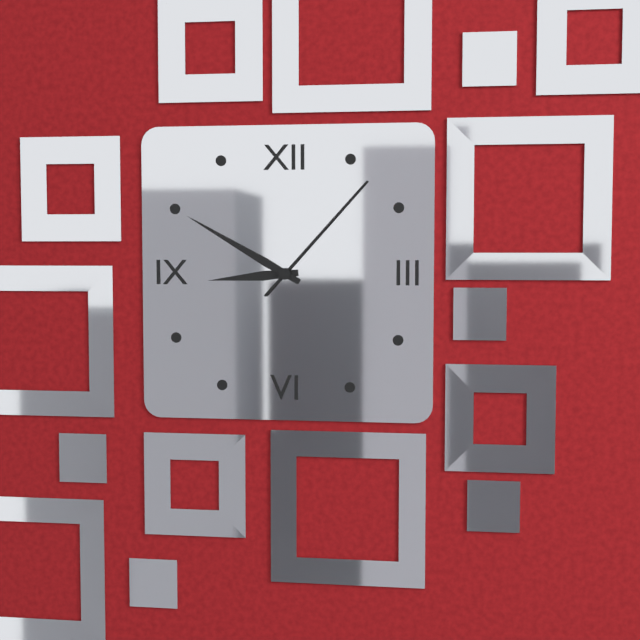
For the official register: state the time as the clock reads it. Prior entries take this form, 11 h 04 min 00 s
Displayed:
8 h 50 min 07 s
